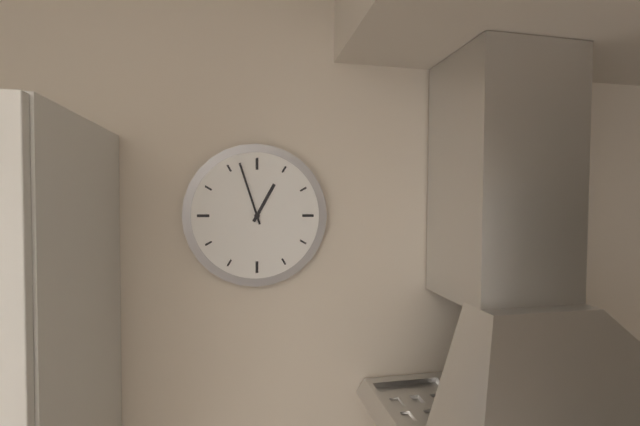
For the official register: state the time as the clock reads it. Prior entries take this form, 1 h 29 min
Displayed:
12 h 57 min
